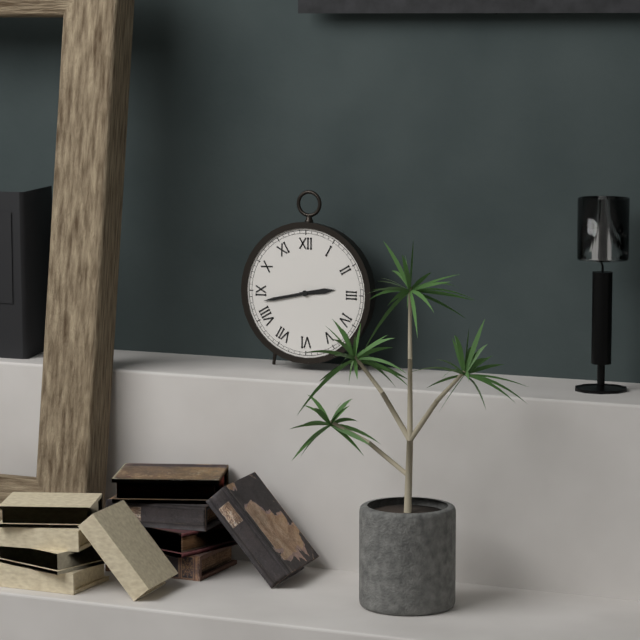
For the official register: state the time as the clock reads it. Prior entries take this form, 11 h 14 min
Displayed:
2 h 43 min
